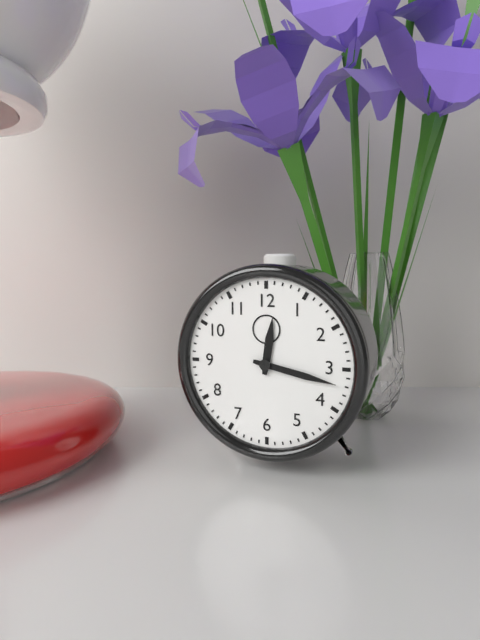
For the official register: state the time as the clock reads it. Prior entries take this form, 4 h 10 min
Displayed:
12 h 17 min
